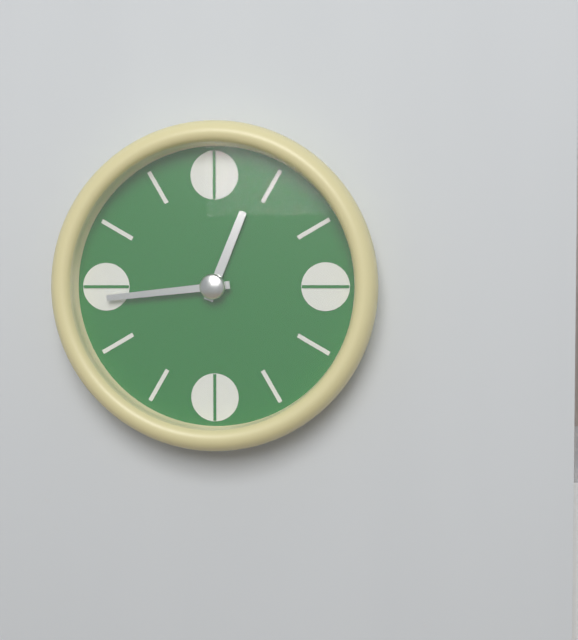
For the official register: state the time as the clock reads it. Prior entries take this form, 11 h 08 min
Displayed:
12 h 44 min
